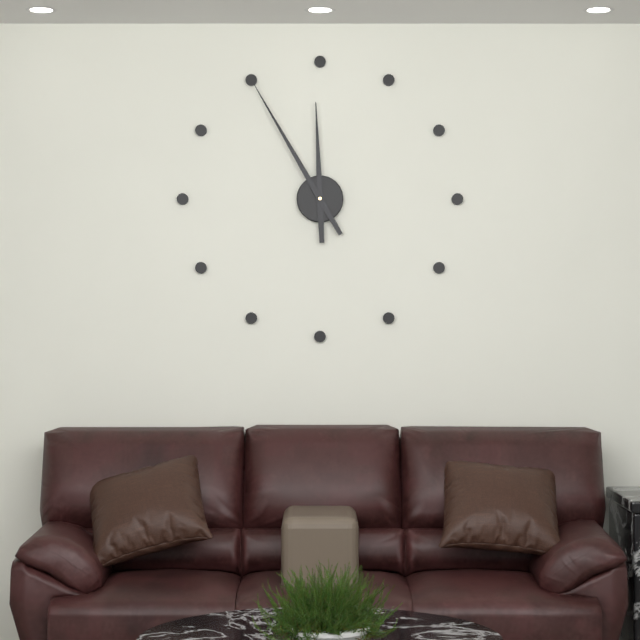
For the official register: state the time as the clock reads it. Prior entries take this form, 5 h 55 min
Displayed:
11 h 55 min
